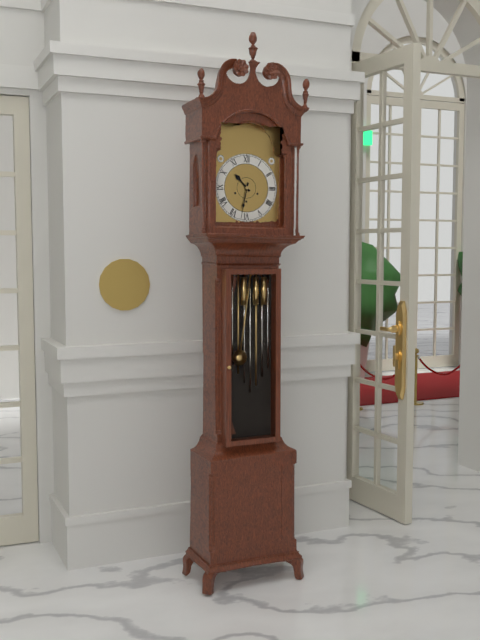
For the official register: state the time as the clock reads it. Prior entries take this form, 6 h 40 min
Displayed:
10 h 32 min
